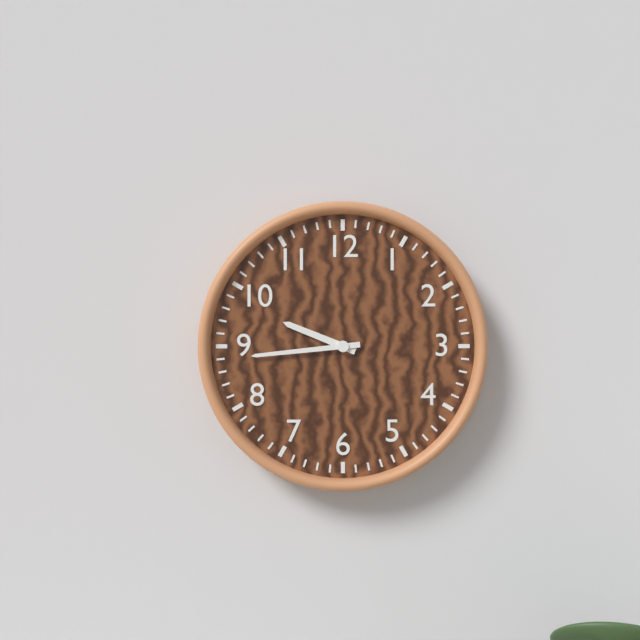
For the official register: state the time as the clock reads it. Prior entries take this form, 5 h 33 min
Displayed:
9 h 44 min
